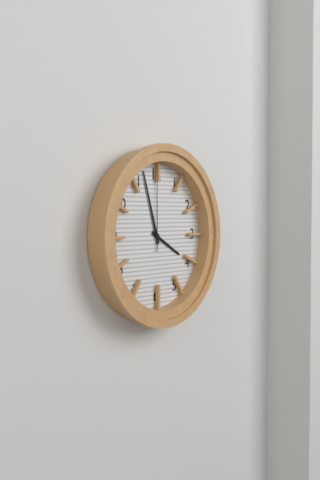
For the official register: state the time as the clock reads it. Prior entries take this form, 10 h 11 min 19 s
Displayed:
3 h 57 min 00 s
